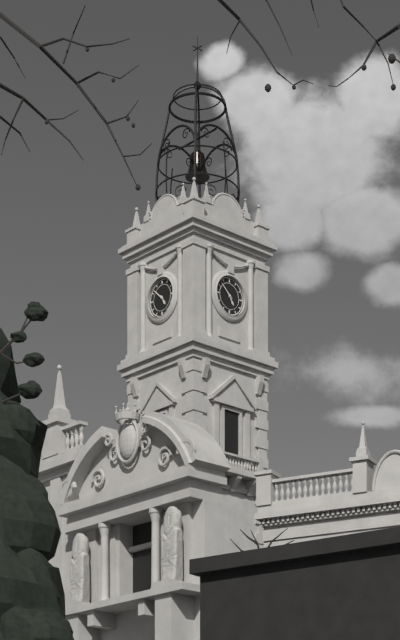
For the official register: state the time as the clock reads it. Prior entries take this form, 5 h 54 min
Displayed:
4 h 52 min
